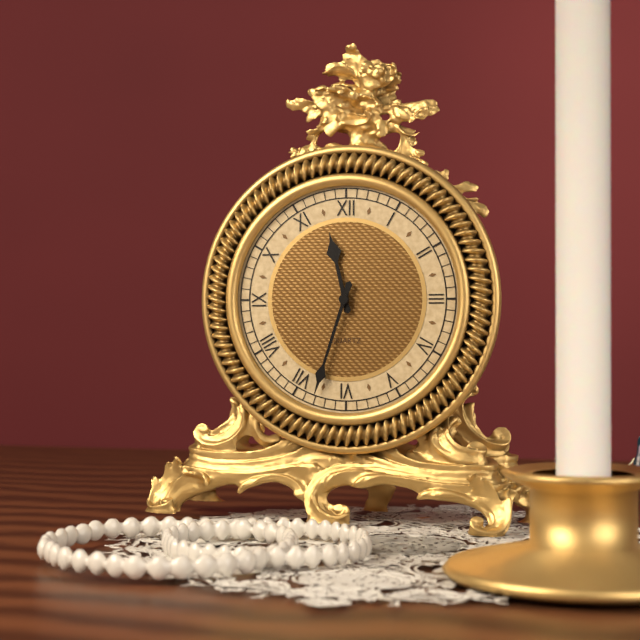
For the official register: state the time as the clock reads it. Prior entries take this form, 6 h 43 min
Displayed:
11 h 33 min
